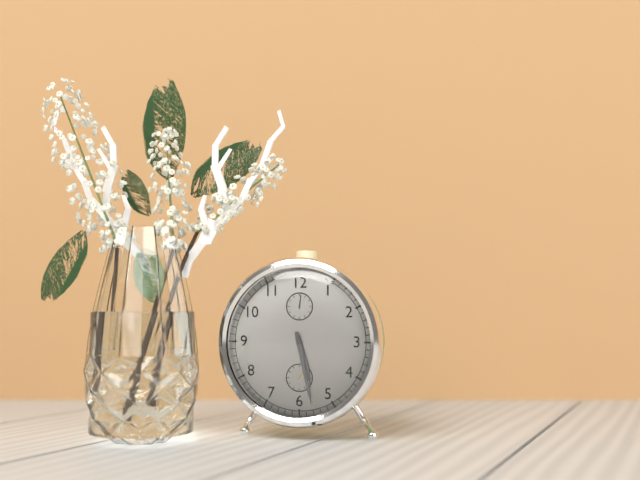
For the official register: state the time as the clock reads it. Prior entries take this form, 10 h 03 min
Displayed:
5 h 28 min
